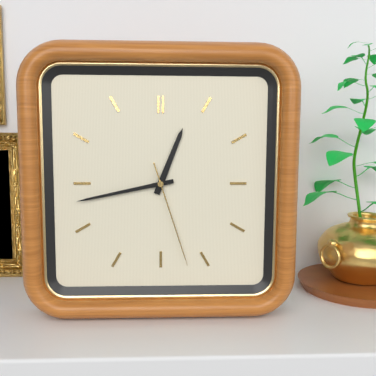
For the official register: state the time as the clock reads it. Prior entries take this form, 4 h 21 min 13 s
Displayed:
12 h 43 min 27 s
